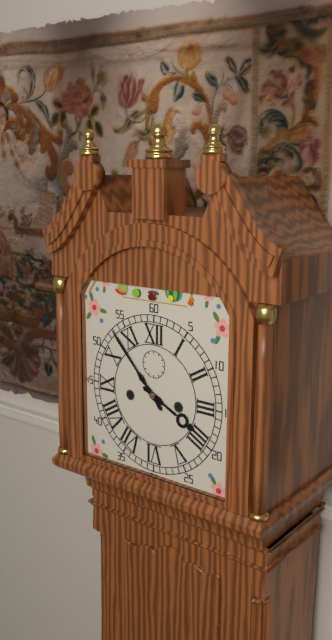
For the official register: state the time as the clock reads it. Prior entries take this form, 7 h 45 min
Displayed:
3 h 53 min
